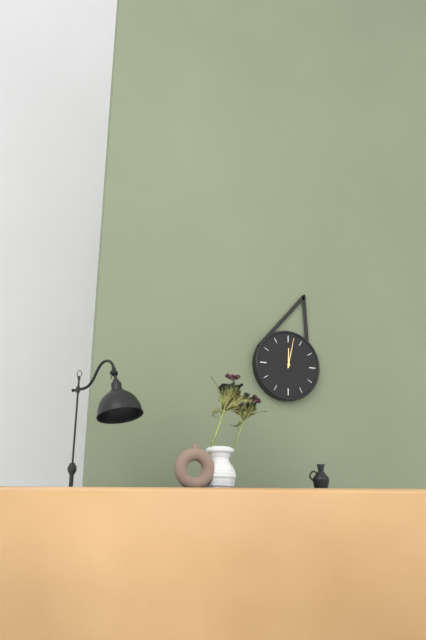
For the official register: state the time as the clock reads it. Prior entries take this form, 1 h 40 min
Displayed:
12 h 02 min
